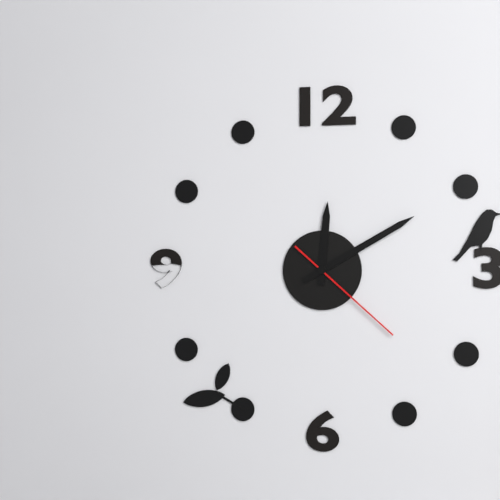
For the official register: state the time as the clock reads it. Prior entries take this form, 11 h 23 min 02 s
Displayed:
12 h 10 min 22 s
